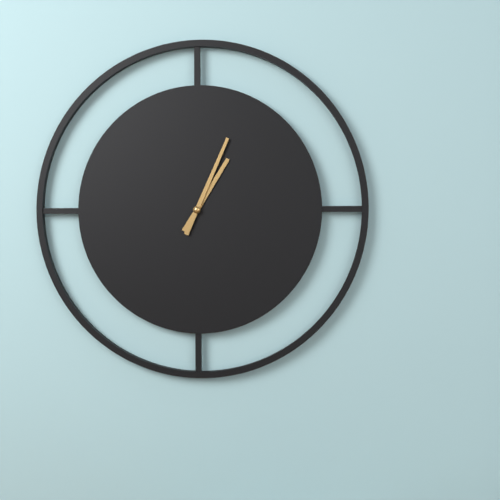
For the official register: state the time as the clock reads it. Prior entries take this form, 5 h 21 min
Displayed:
1 h 04 min
